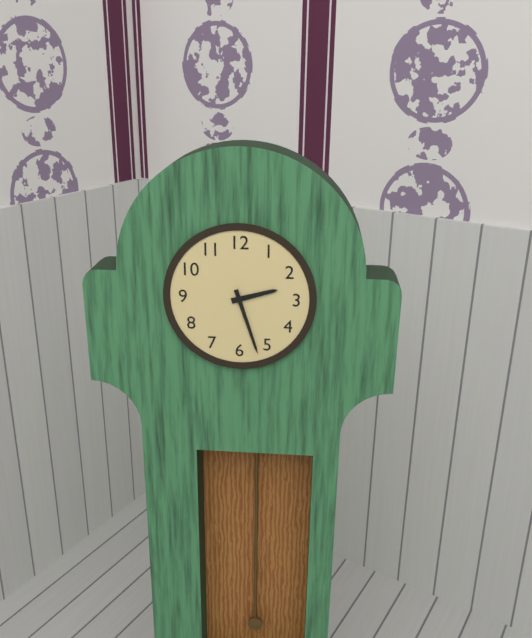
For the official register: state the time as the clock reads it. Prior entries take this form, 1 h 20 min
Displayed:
2 h 27 min
